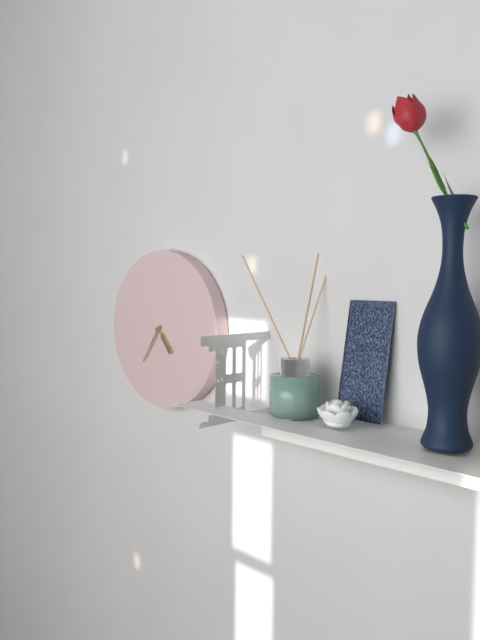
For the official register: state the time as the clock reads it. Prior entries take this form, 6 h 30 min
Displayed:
4 h 36 min
